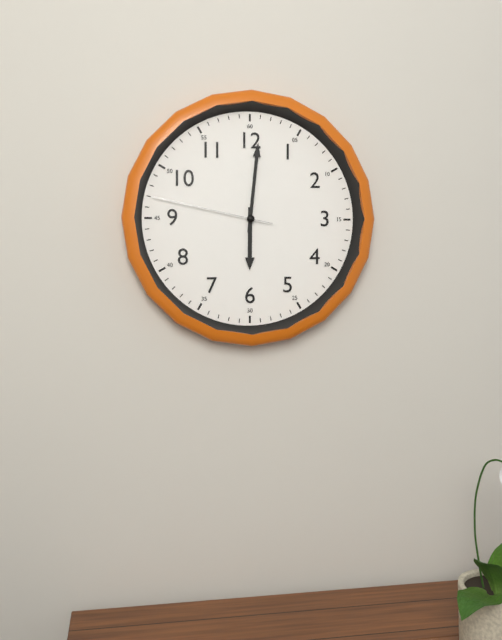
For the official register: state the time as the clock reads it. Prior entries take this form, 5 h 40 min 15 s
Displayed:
6 h 01 min 47 s
